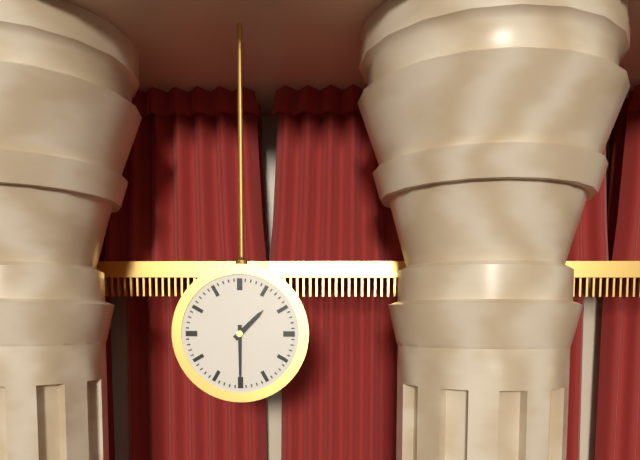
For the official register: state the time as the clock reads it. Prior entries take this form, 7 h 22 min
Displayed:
1 h 30 min
